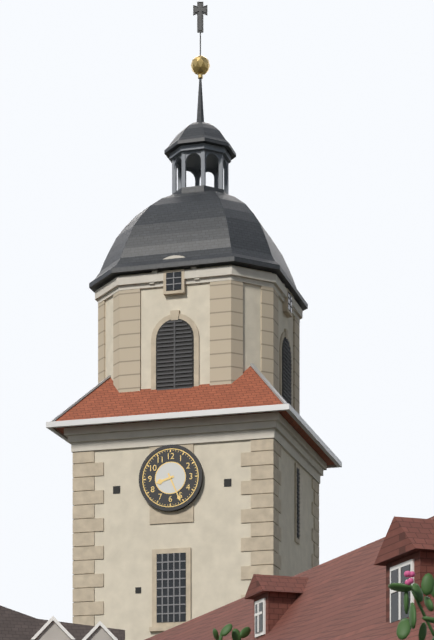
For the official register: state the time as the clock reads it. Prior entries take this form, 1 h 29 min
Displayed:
8 h 26 min
